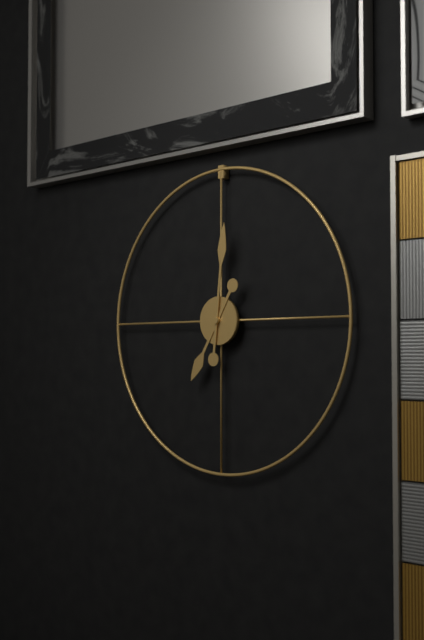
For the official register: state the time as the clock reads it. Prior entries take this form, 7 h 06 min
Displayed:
7 h 01 min
